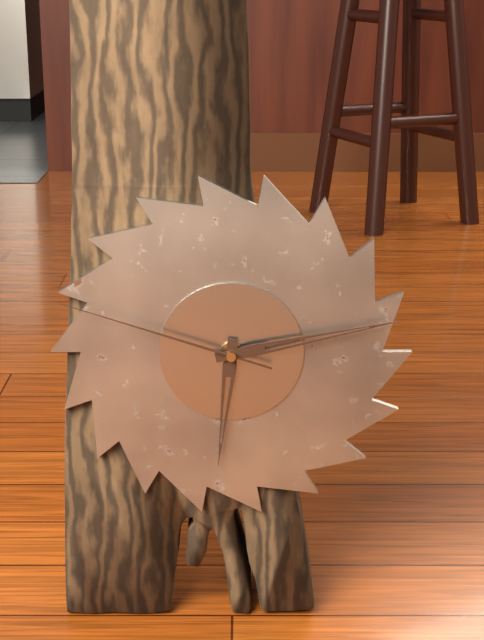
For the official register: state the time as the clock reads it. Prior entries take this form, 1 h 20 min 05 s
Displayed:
6 h 13 min 48 s
